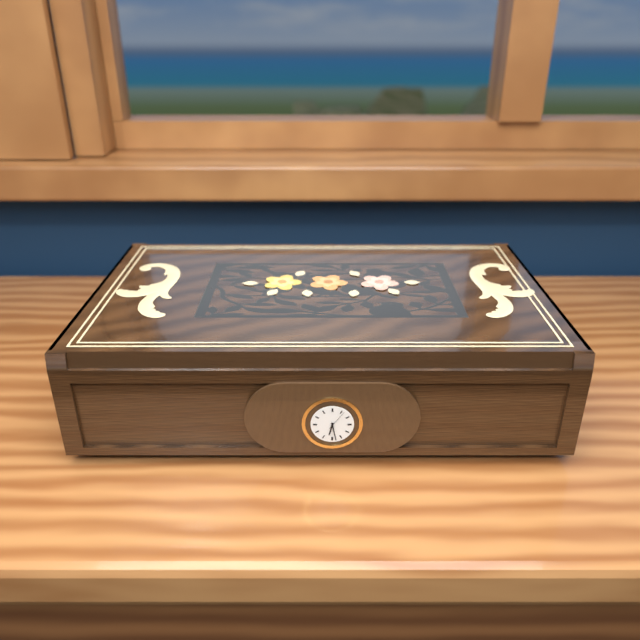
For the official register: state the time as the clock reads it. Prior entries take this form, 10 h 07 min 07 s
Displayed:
6 h 28 min 06 s
